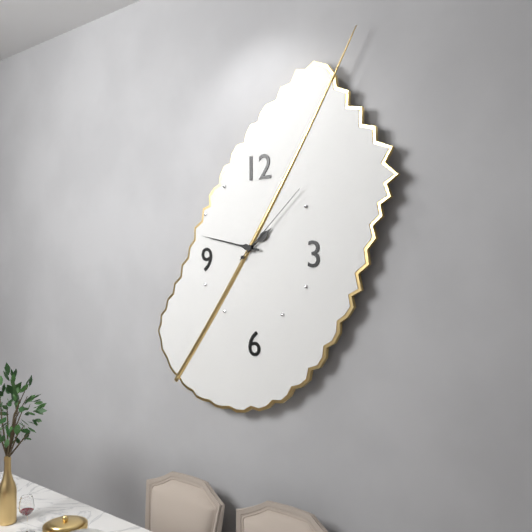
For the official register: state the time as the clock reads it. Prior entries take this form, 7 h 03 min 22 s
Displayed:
1 h 47 min 08 s
